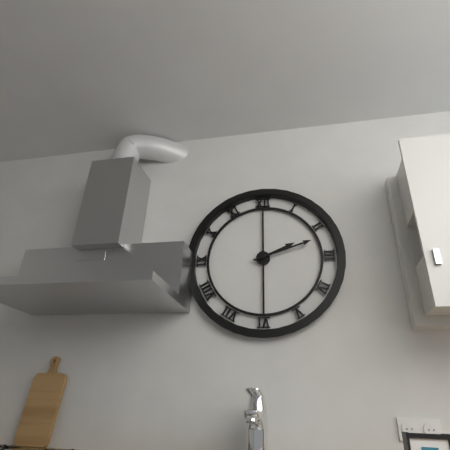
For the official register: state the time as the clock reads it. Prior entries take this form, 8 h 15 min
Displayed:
2 h 12 min
